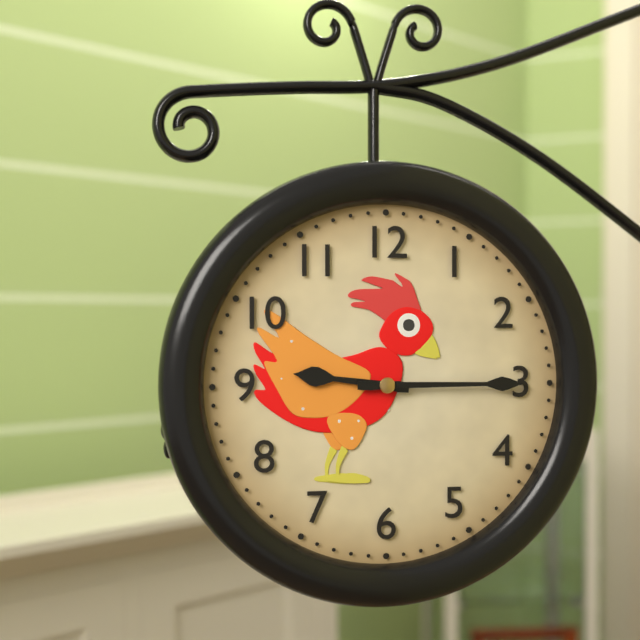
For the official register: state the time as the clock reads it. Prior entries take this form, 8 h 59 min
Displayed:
9 h 15 min
